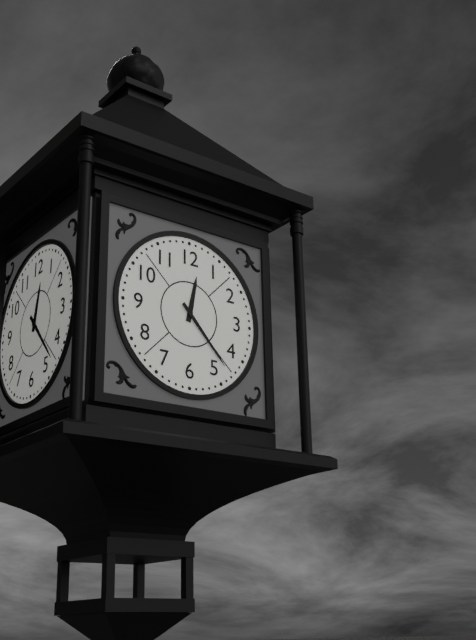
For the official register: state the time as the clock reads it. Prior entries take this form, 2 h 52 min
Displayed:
12 h 23 min
